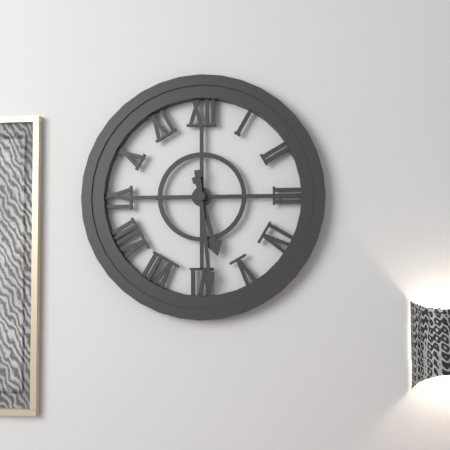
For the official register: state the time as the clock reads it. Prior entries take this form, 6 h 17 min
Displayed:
5 h 29 min
